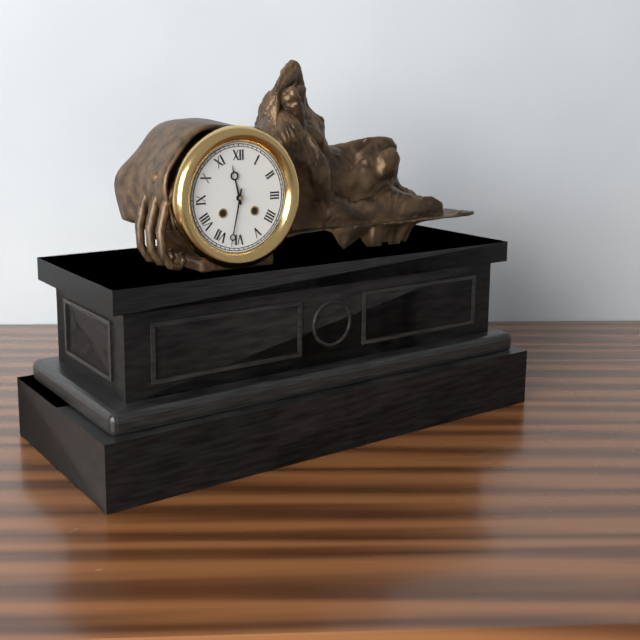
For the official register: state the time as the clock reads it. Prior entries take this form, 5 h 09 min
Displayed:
11 h 32 min
